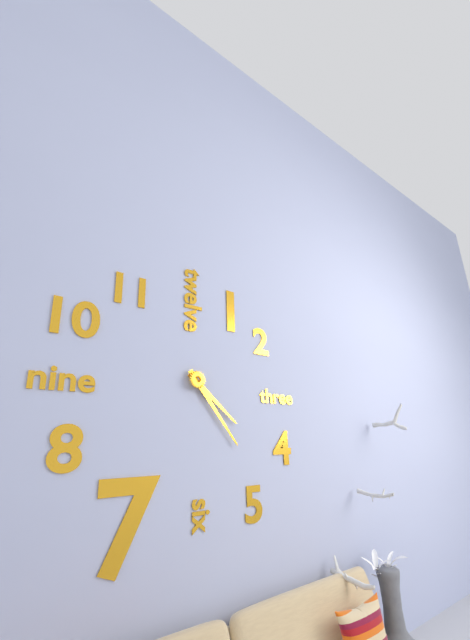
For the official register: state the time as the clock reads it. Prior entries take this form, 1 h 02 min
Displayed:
4 h 24 min
